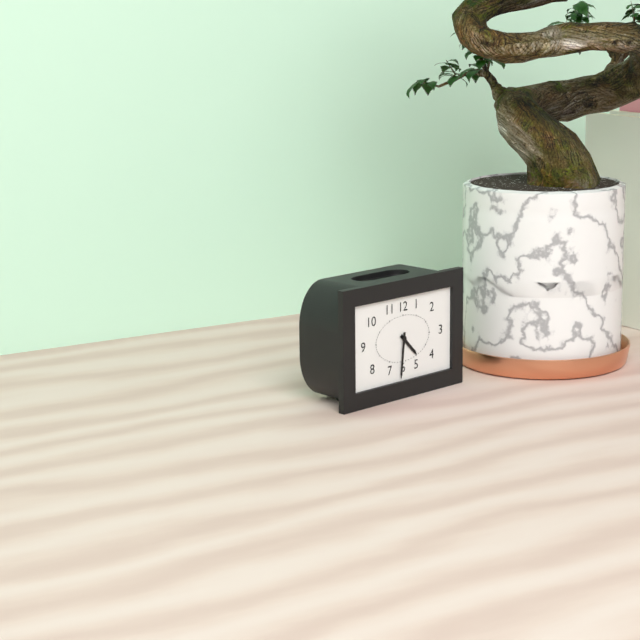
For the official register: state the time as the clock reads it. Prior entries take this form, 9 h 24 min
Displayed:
4 h 31 min
